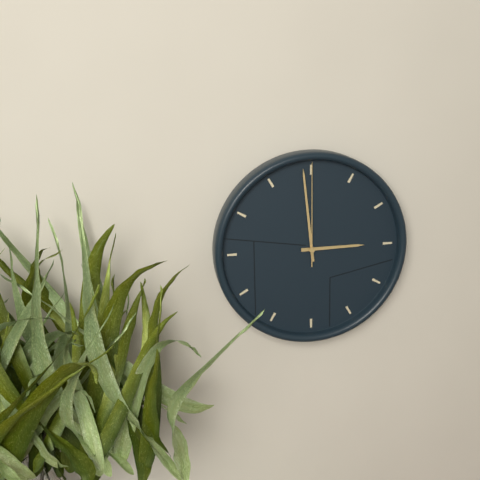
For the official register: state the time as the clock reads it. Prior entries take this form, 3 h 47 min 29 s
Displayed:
2 h 59 min 00 s
